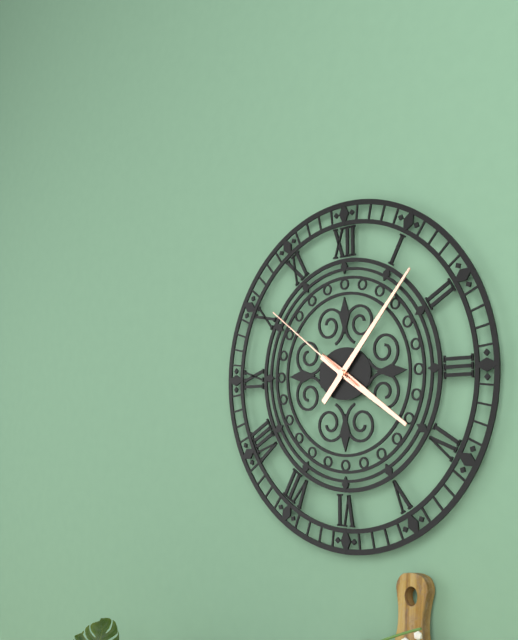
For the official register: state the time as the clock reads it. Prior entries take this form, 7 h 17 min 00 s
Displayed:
4 h 07 min 51 s
